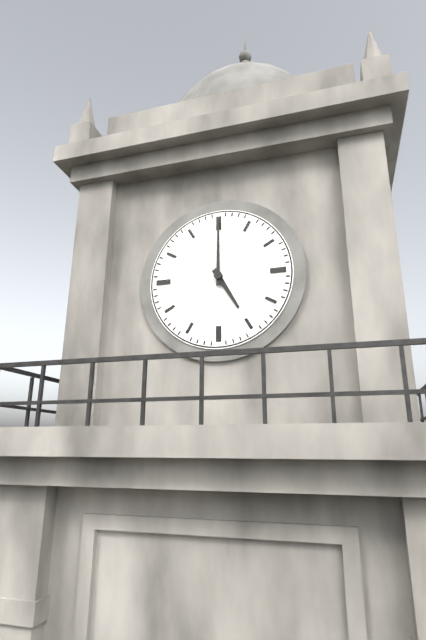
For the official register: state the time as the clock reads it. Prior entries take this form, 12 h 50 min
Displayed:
5 h 00 min
